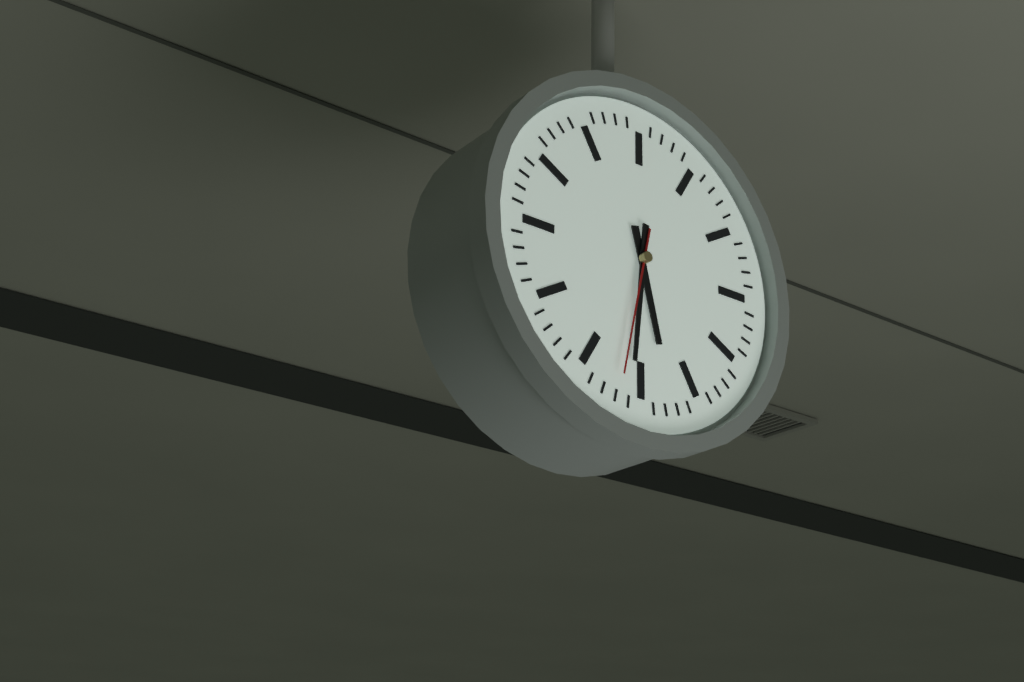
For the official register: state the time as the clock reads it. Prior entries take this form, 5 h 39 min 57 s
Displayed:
5 h 31 min 32 s
